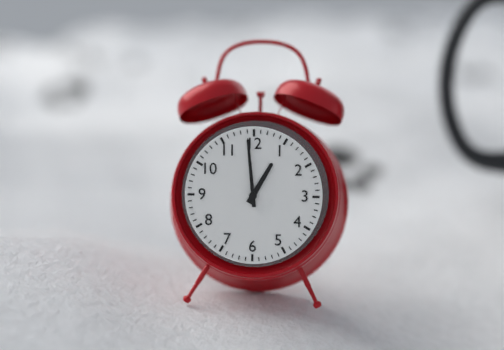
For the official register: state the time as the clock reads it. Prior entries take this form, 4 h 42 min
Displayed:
12 h 59 min
